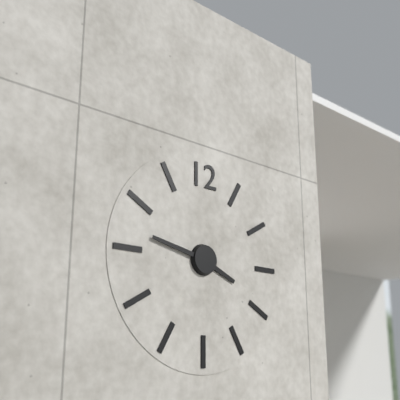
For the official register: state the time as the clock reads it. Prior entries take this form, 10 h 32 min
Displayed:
3 h 47 min
